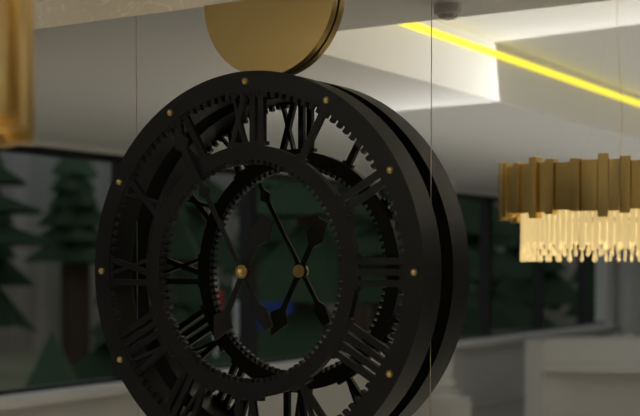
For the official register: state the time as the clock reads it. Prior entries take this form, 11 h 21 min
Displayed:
6 h 55 min
